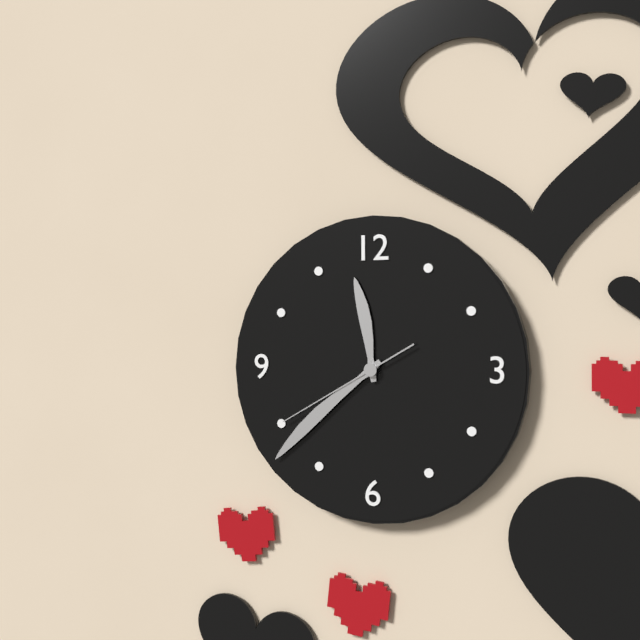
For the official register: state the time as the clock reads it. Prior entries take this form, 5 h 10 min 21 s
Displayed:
11 h 38 min 40 s
